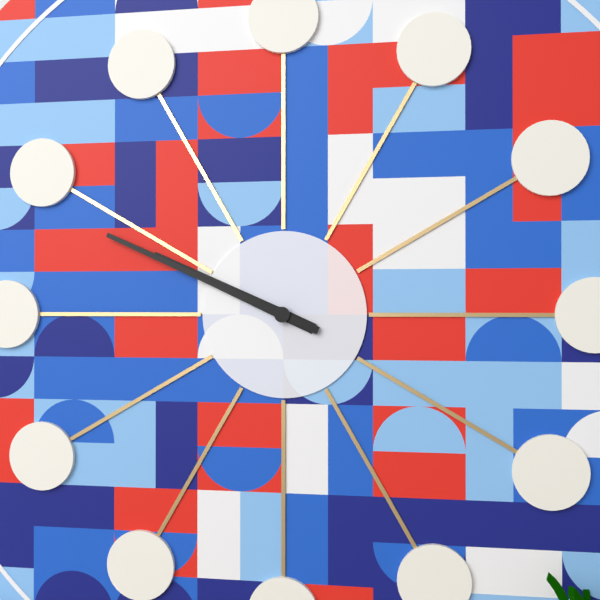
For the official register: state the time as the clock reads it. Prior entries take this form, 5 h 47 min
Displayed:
9 h 49 min
